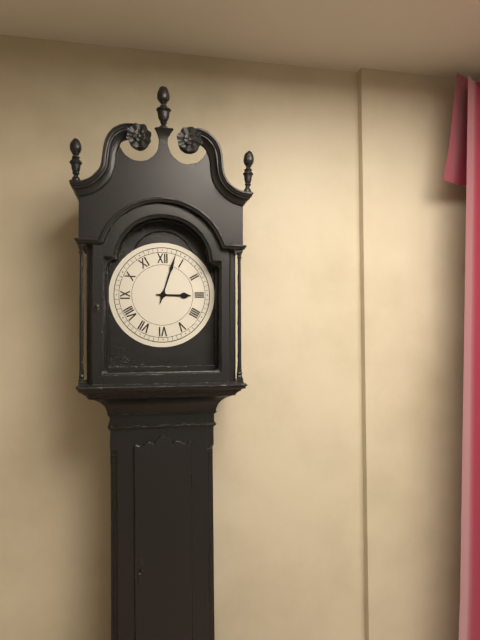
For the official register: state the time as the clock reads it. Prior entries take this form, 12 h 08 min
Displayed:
3 h 03 min
